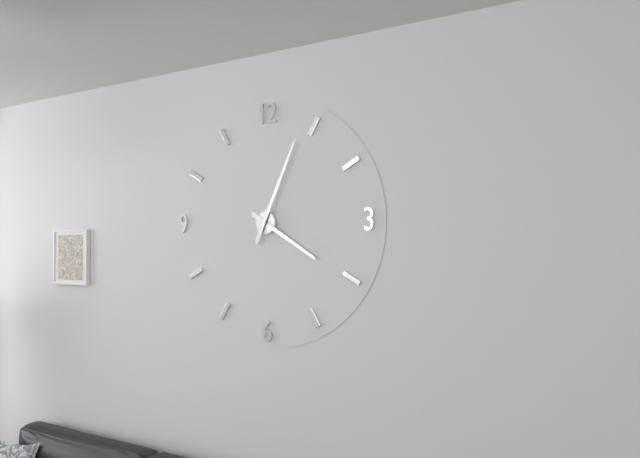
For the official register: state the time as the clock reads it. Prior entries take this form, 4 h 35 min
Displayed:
4 h 04 min
